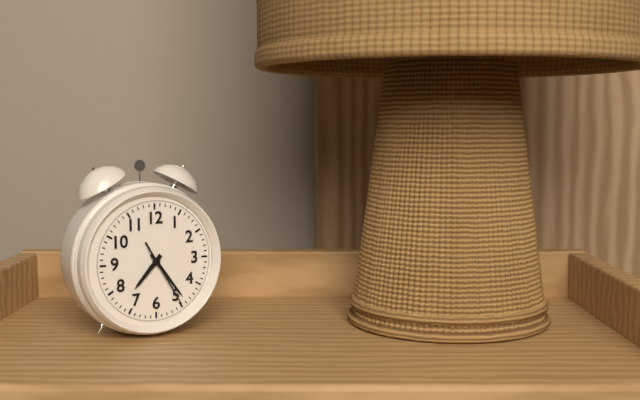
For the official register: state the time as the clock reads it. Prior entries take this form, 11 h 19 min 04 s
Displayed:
7 h 24 min 25 s
